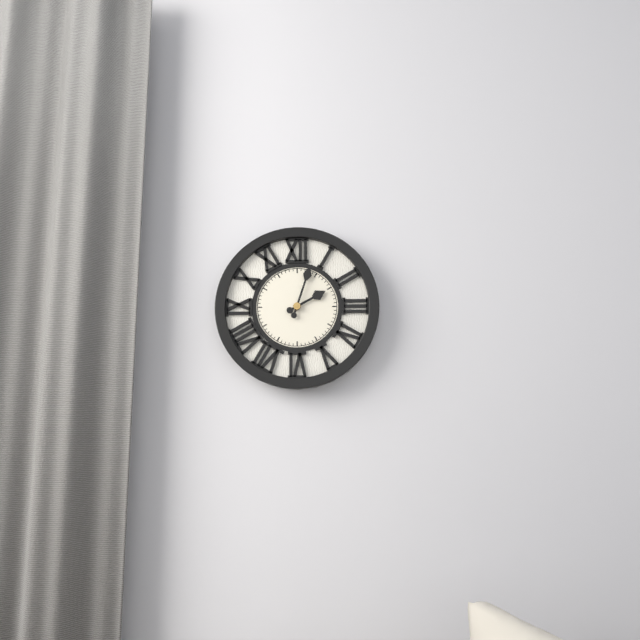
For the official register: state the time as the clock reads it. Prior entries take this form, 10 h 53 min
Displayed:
2 h 03 min
